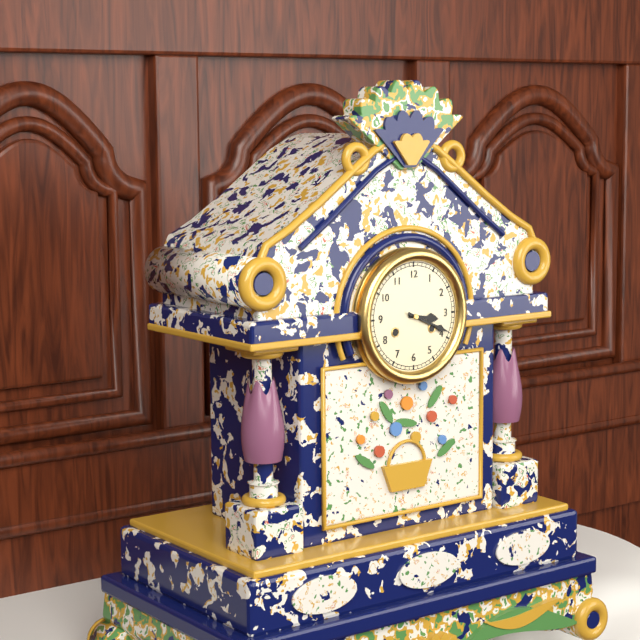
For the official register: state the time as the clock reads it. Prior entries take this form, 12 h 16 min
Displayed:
3 h 19 min
